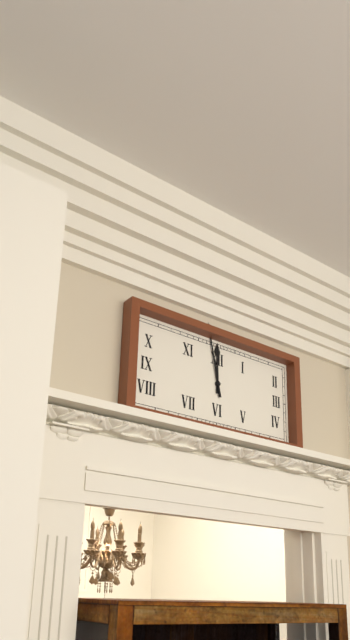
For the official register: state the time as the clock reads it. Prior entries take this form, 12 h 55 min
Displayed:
11 h 58 min
